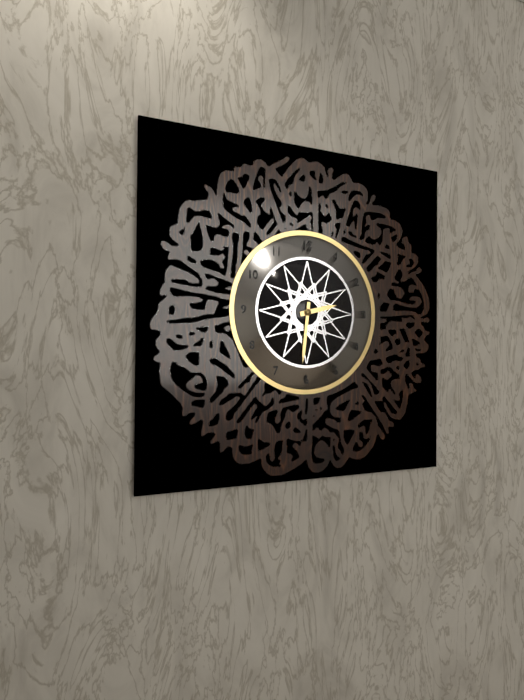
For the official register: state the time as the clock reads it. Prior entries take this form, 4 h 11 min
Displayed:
2 h 31 min
